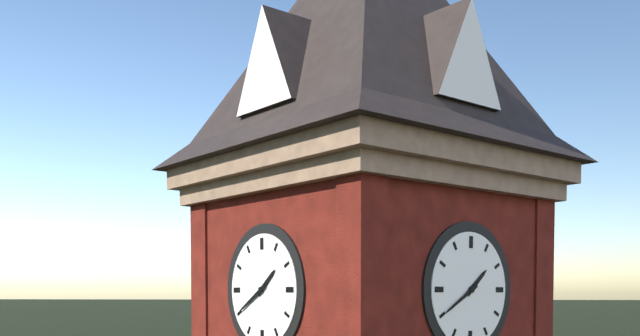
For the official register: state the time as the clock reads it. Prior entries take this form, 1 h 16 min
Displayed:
1 h 40 min
